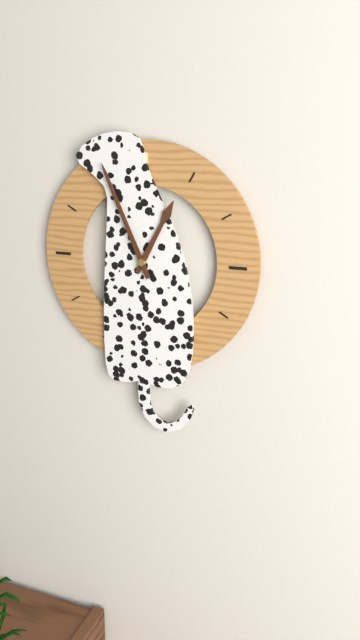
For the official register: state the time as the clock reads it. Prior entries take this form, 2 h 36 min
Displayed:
12 h 56 min
